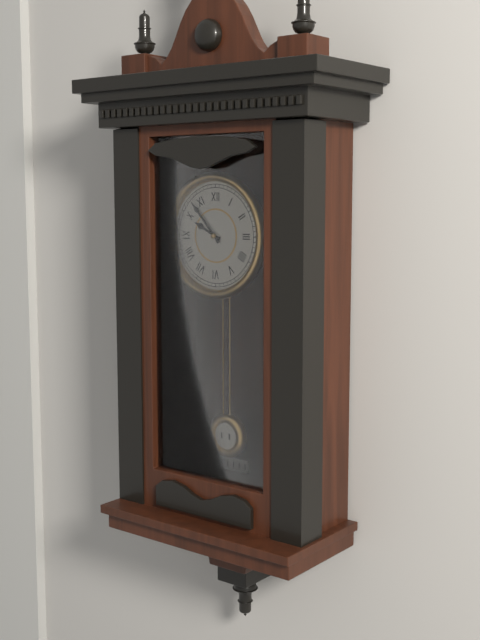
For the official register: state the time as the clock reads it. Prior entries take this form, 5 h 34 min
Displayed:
9 h 53 min
